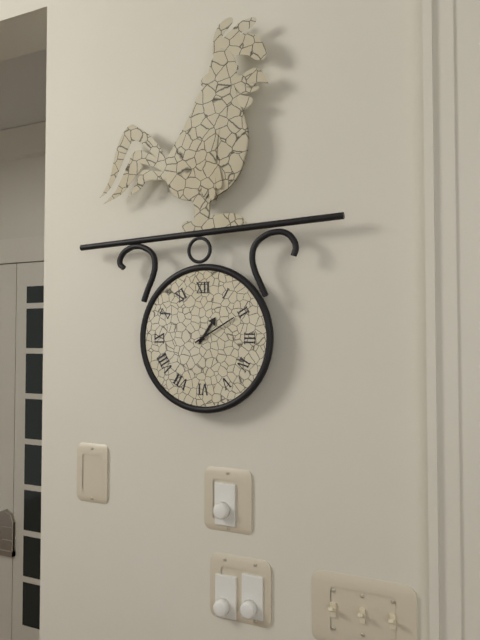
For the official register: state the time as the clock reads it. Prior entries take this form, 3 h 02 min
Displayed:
1 h 10 min
